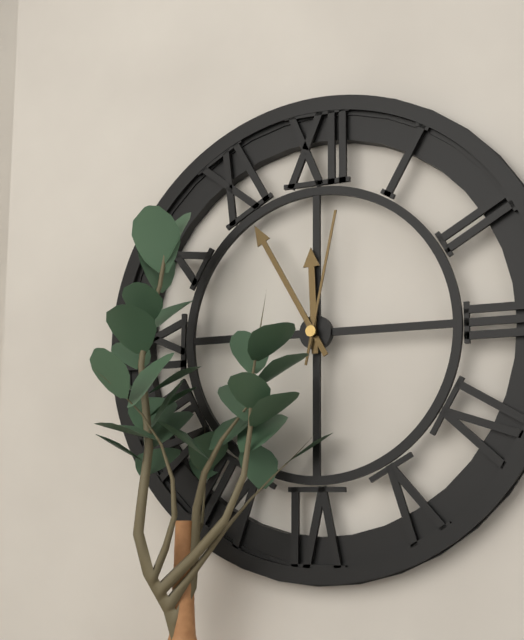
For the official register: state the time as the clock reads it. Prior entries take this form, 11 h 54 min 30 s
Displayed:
11 h 55 min 02 s
